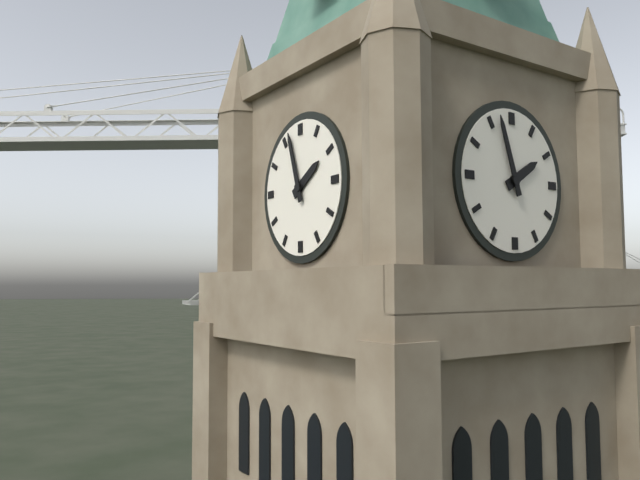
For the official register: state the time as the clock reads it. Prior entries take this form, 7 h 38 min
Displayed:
1 h 57 min
